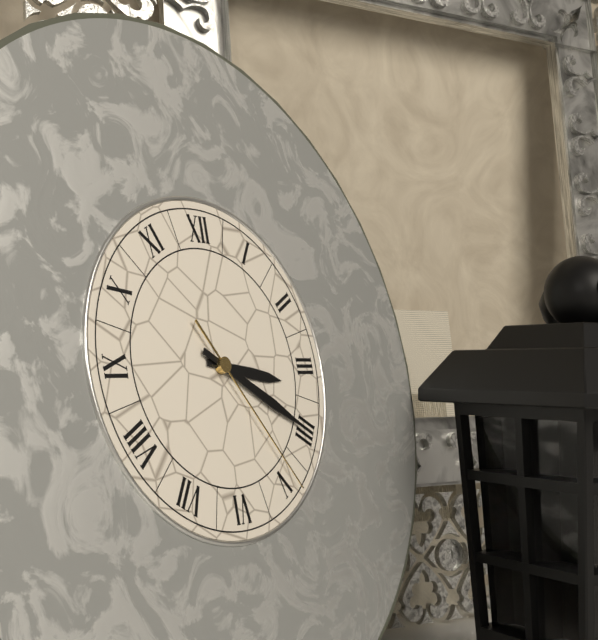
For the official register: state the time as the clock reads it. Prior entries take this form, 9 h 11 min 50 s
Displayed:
3 h 20 min 24 s
